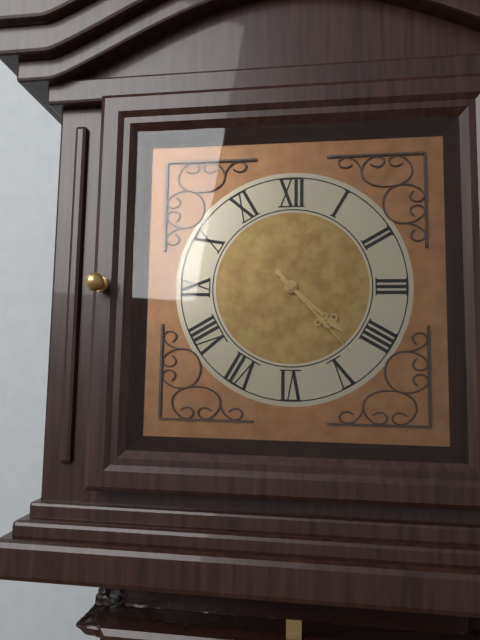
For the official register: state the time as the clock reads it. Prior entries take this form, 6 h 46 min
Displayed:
4 h 23 min
